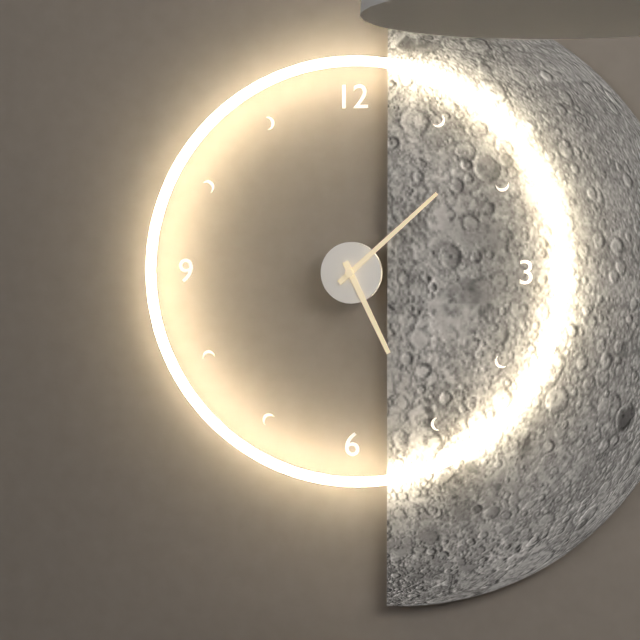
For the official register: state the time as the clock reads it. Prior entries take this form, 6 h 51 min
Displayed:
5 h 08 min
